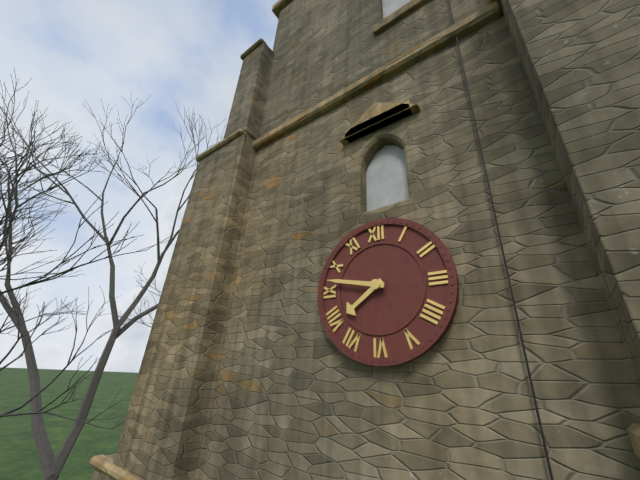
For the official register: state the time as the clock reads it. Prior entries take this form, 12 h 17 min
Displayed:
7 h 47 min
